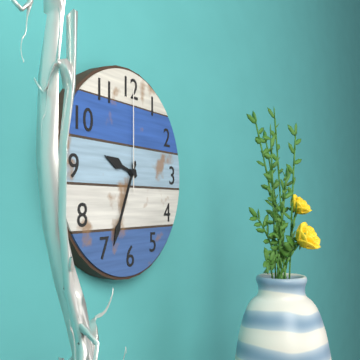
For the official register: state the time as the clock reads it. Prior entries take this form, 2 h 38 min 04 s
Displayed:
9 h 34 min 00 s
